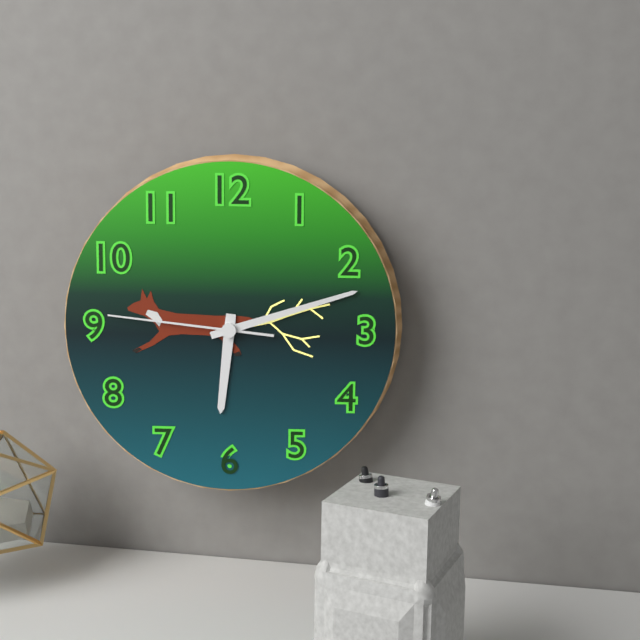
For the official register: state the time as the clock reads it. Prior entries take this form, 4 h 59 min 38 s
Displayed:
6 h 12 min 46 s
